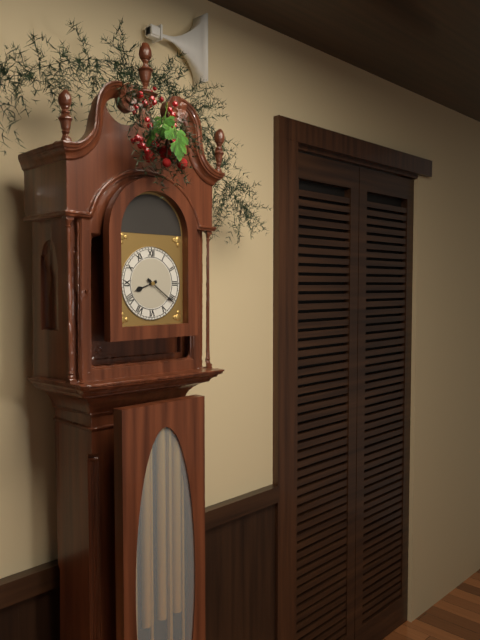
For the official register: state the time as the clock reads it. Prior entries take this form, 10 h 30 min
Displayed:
8 h 21 min
